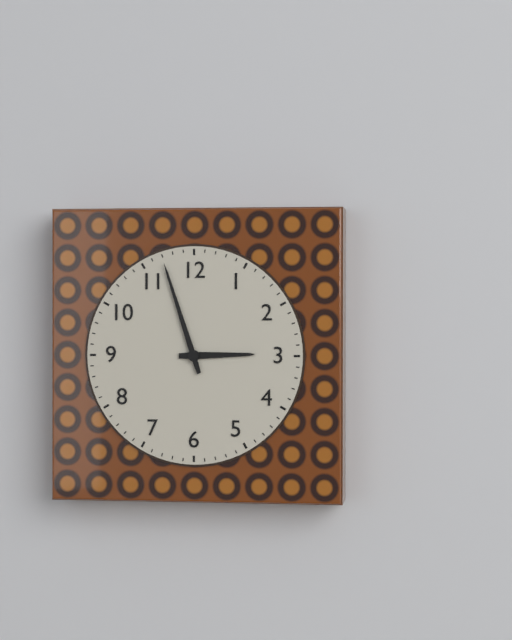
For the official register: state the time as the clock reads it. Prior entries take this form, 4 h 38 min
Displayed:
2 h 57 min
